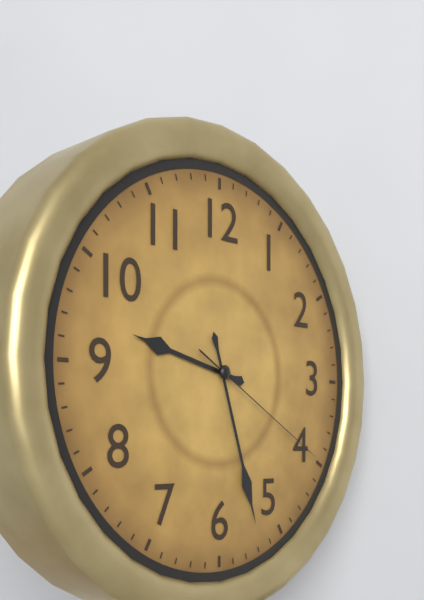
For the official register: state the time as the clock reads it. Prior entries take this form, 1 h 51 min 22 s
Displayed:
9 h 27 min 20 s
